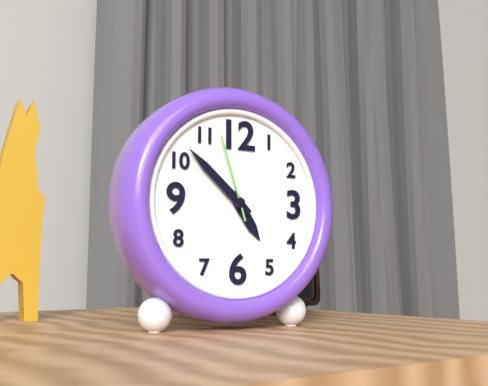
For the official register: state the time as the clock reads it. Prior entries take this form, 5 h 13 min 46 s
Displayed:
4 h 52 min 57 s
